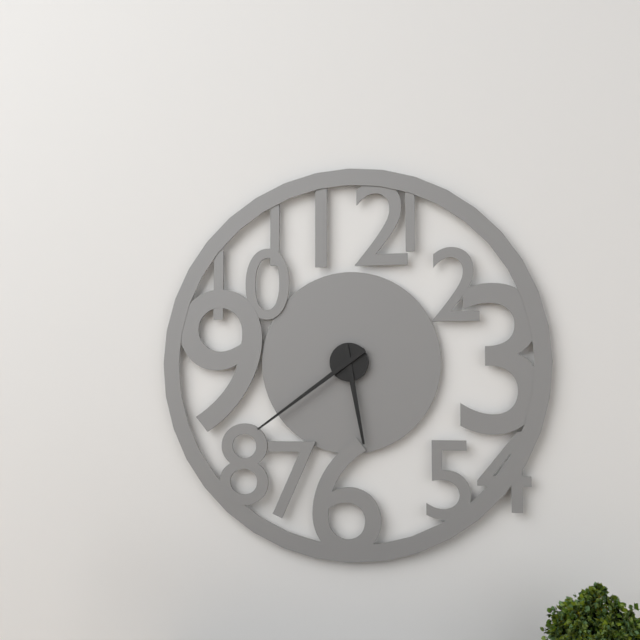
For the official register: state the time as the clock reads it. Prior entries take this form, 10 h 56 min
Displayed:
5 h 39 min
